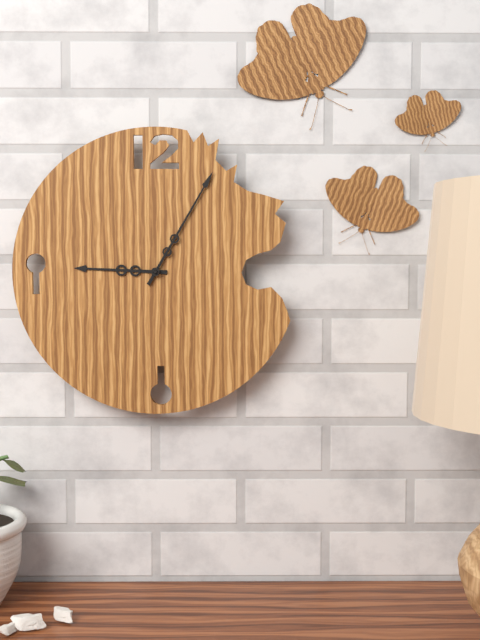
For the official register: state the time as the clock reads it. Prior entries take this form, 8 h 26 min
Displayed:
9 h 05 min
